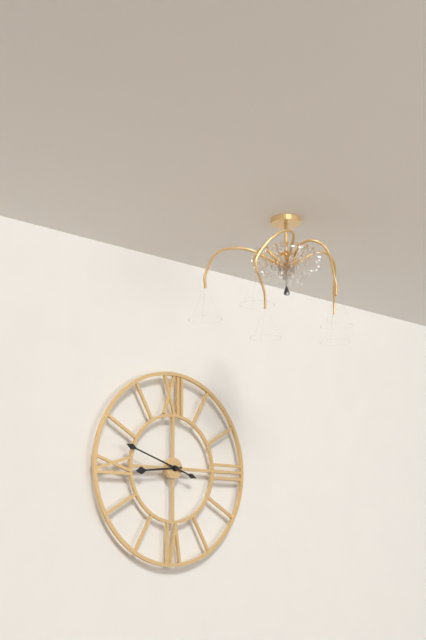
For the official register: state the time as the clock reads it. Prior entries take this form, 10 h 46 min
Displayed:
8 h 48 min
